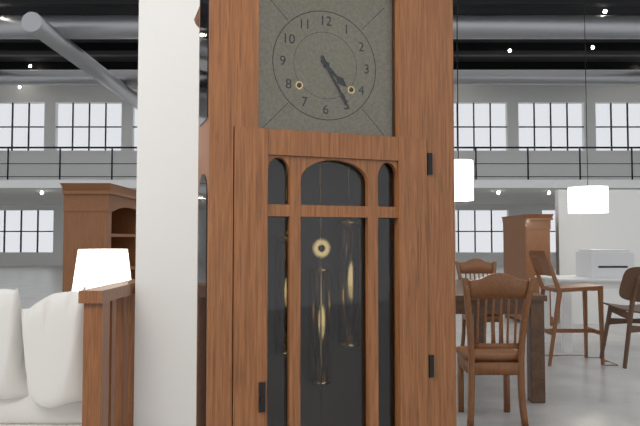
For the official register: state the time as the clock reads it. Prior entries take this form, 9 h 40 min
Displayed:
4 h 25 min
